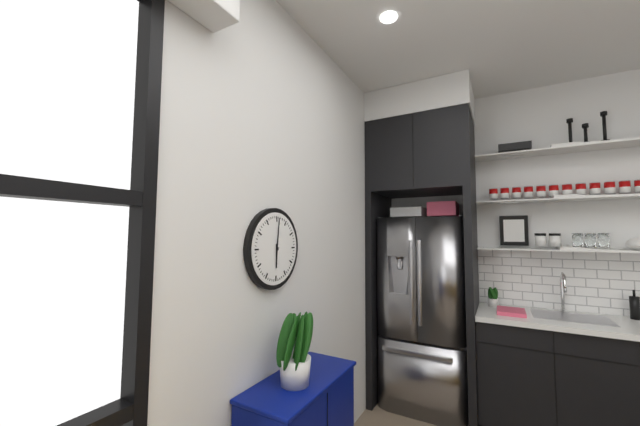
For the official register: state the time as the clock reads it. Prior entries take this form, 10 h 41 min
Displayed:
6 h 01 min
